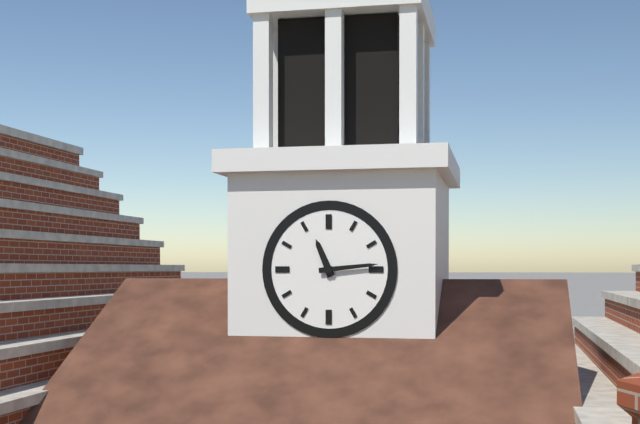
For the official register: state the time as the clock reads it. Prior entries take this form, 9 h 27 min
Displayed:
11 h 14 min
